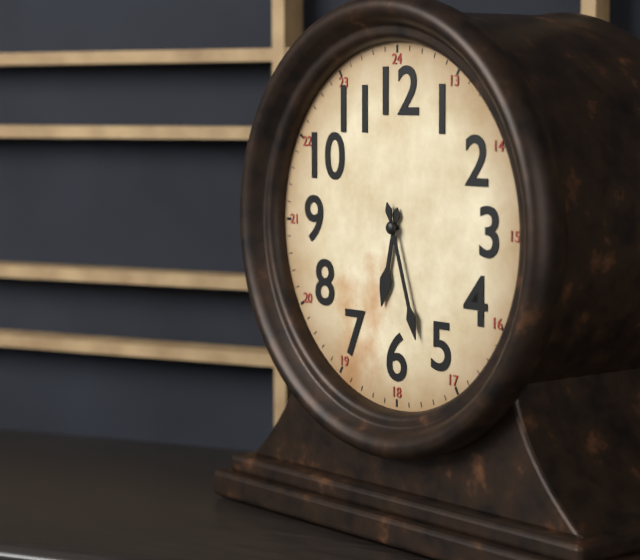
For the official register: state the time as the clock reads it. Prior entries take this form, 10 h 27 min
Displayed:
6 h 27 min
